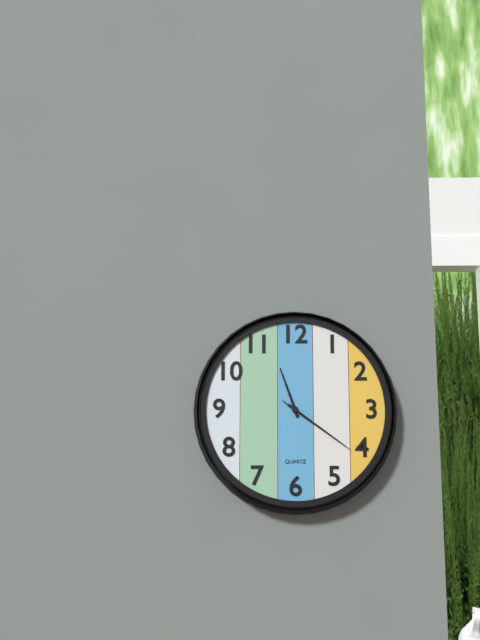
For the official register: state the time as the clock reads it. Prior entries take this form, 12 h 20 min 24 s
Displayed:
11 h 21 min 21 s
